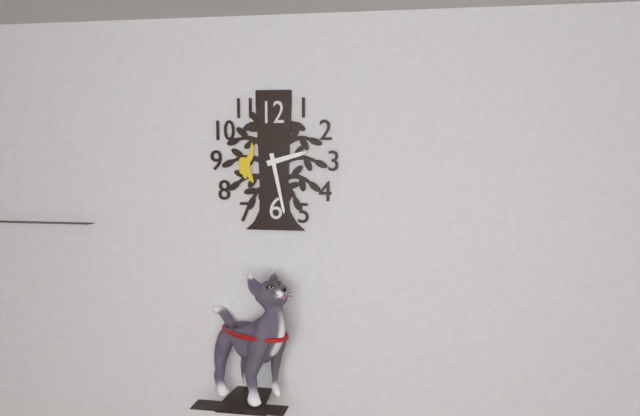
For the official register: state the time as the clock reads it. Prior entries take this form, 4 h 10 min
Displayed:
2 h 28 min
